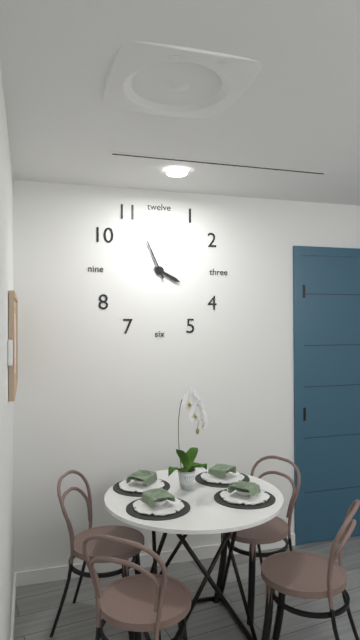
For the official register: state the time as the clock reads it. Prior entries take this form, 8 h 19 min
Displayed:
3 h 56 min
